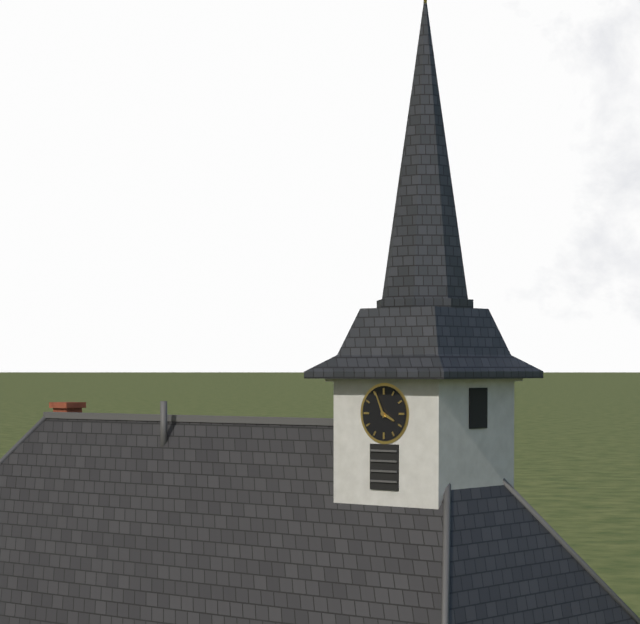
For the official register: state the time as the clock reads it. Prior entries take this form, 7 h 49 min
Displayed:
3 h 56 min
